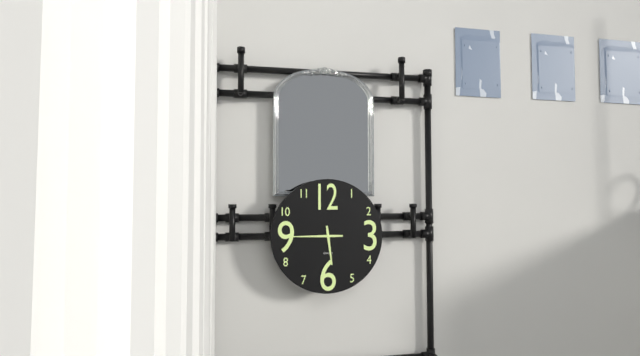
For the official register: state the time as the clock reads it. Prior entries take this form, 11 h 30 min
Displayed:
5 h 45 min
